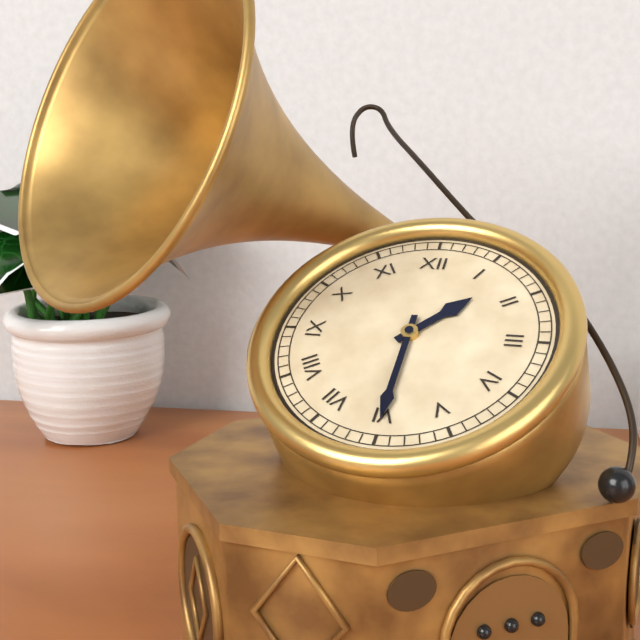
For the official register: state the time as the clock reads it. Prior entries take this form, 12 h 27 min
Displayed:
1 h 30 min
